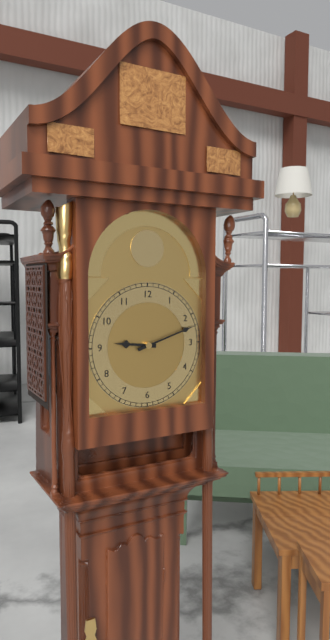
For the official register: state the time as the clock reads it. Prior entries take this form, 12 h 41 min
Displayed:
9 h 12 min
